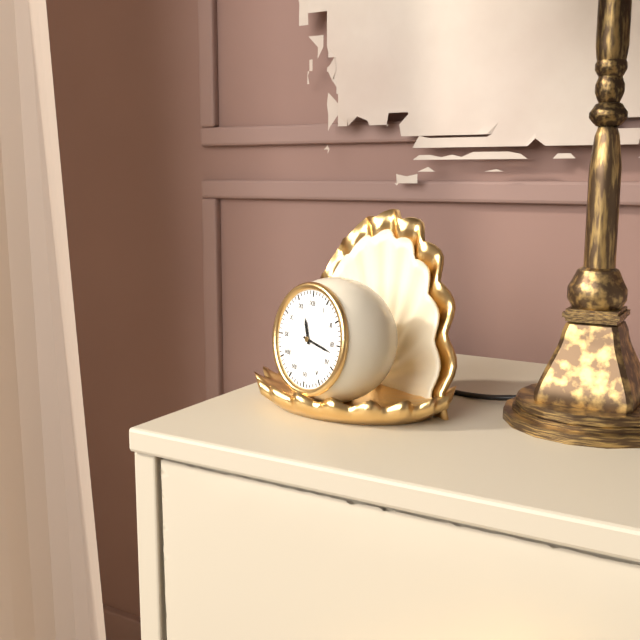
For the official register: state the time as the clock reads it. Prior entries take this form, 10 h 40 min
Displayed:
11 h 17 min
